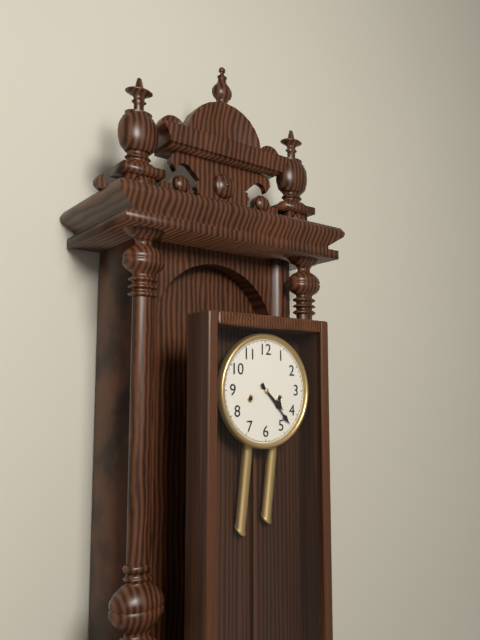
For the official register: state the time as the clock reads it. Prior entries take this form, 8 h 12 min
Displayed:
4 h 23 min
